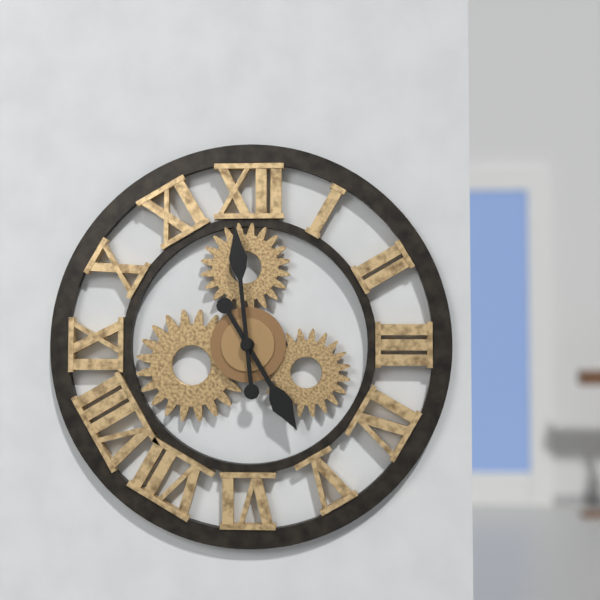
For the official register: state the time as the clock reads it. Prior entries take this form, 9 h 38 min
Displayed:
4 h 59 min
